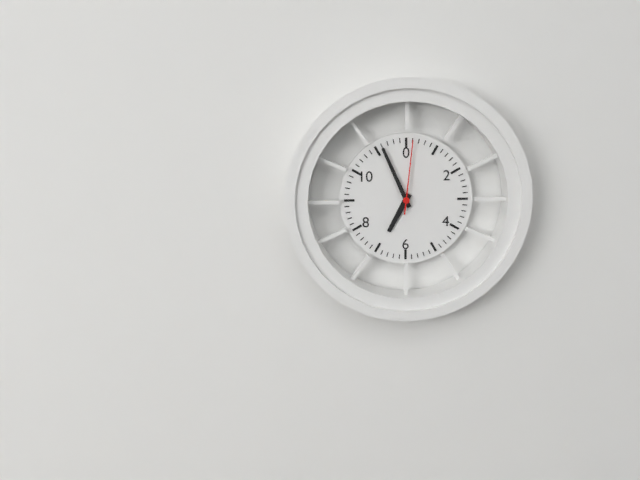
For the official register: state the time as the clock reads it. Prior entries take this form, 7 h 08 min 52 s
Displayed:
6 h 56 min 01 s
